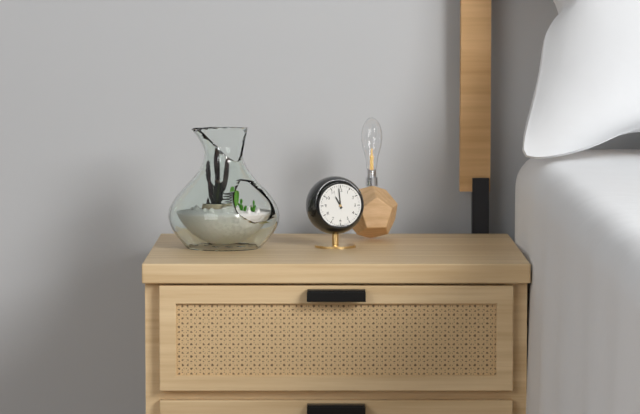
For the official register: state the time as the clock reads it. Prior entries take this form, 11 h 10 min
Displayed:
10 h 59 min
